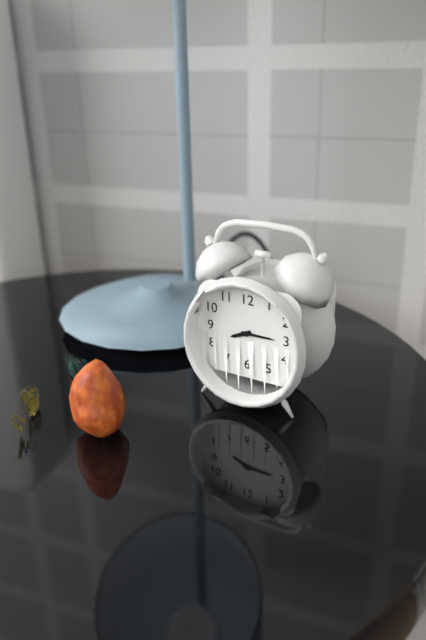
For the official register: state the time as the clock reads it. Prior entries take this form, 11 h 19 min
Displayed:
8 h 15 min
